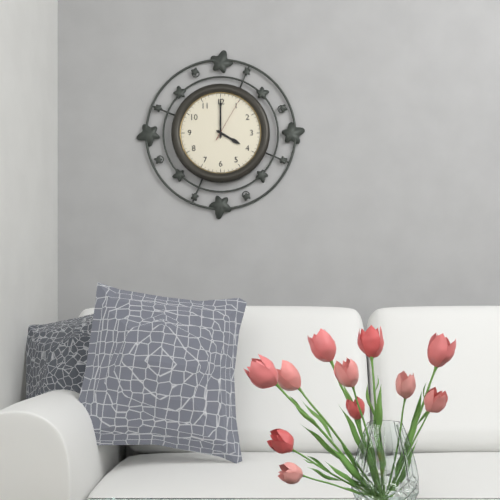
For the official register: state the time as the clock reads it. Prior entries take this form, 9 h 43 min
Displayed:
4 h 00 min
